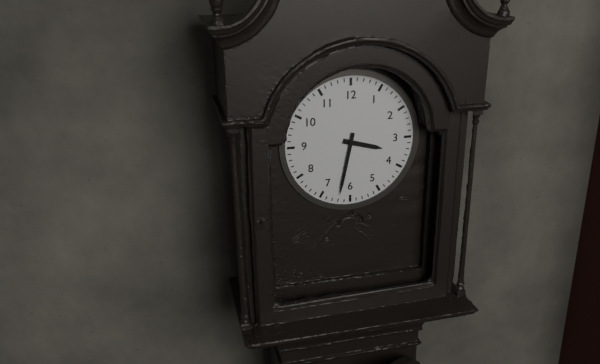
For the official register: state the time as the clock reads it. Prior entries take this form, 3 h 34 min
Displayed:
3 h 32 min
